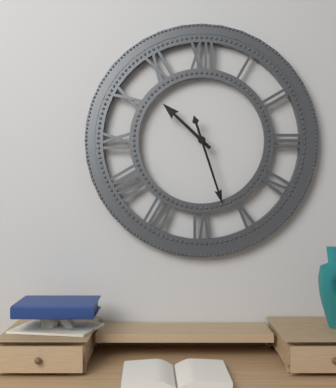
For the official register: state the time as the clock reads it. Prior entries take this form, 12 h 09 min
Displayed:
10 h 27 min
